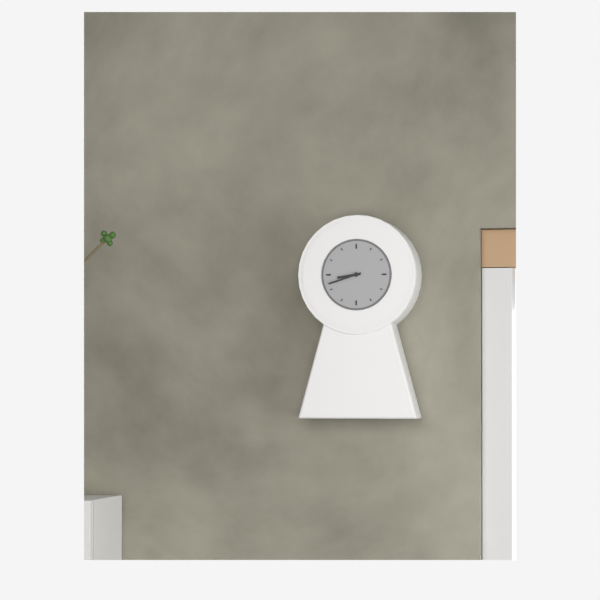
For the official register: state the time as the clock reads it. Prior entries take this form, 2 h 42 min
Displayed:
8 h 42 min
